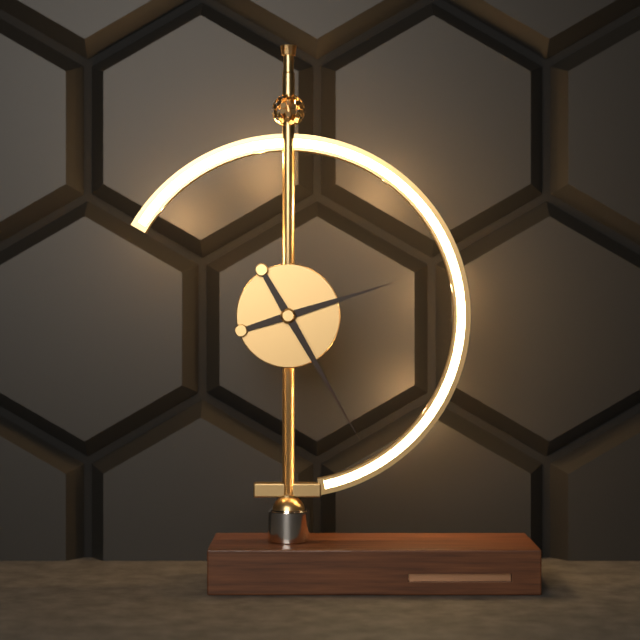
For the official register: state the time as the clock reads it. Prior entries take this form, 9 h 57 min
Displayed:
2 h 25 min
